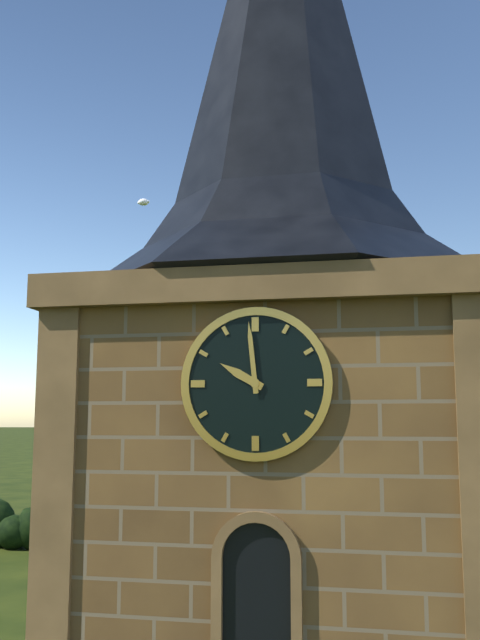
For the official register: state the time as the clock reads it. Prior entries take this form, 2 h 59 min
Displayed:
9 h 59 min
